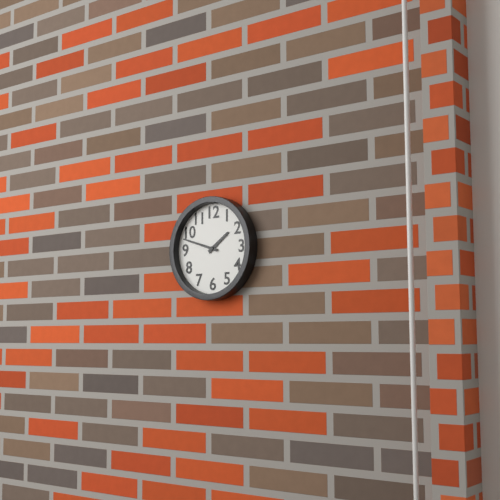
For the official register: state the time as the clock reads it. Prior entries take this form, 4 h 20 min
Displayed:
1 h 48 min
